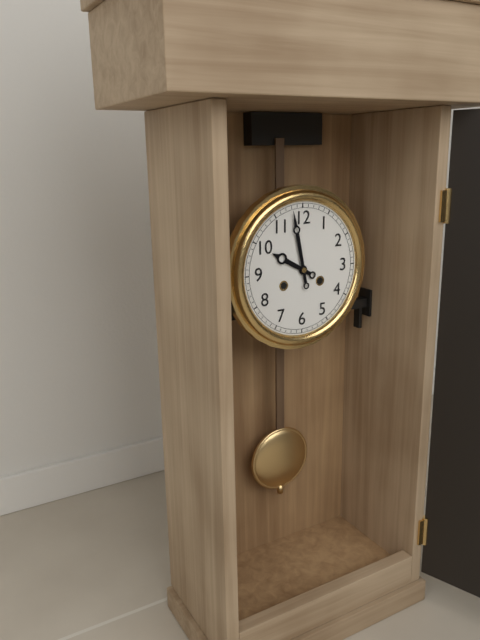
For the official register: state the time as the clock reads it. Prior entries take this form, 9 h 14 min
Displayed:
9 h 58 min
